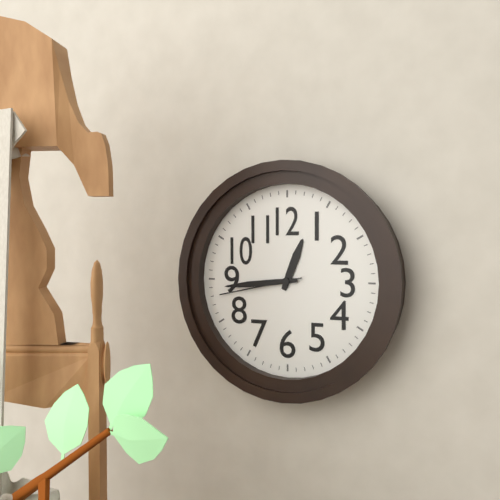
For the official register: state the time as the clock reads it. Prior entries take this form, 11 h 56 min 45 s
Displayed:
12 h 44 min 43 s
